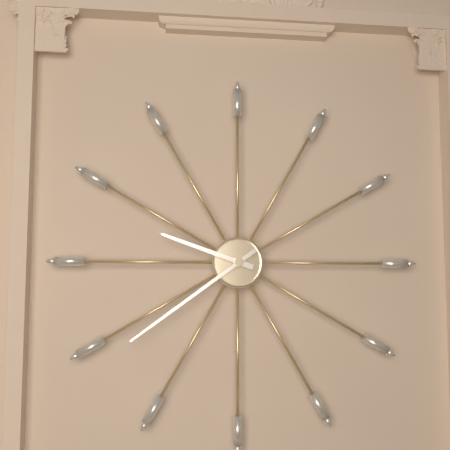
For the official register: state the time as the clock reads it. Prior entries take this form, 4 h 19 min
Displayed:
9 h 39 min
